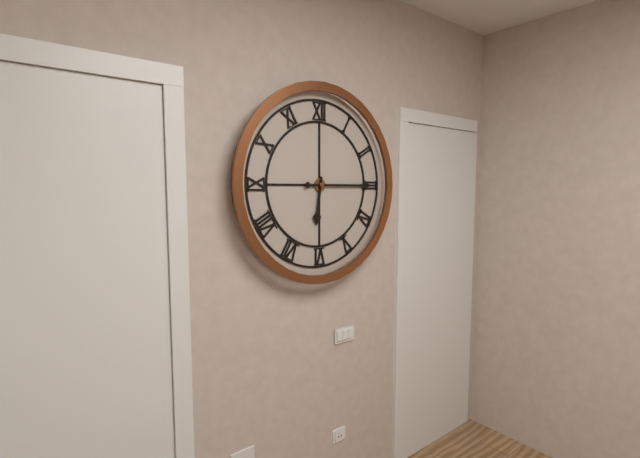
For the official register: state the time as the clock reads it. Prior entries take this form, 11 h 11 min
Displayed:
6 h 15 min
